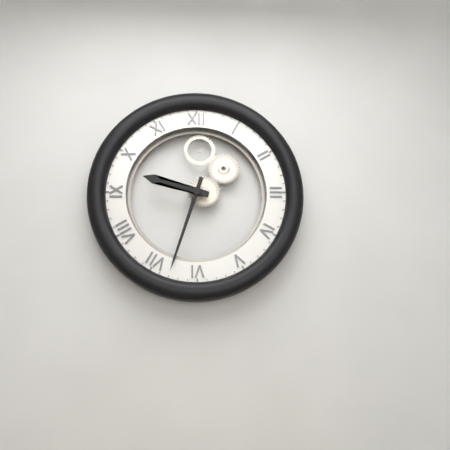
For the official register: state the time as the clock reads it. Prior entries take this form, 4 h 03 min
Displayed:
9 h 33 min
